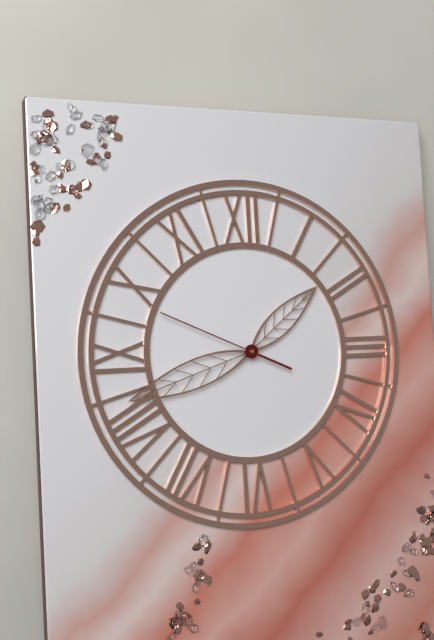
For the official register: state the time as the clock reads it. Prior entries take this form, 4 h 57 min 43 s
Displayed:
1 h 42 min 49 s
